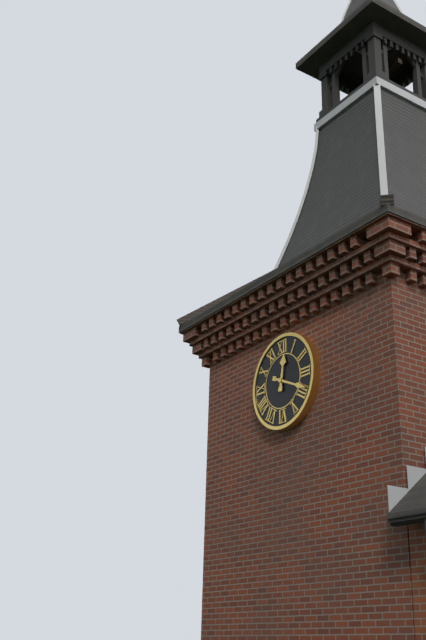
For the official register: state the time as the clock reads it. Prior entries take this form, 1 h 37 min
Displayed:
12 h 19 min
